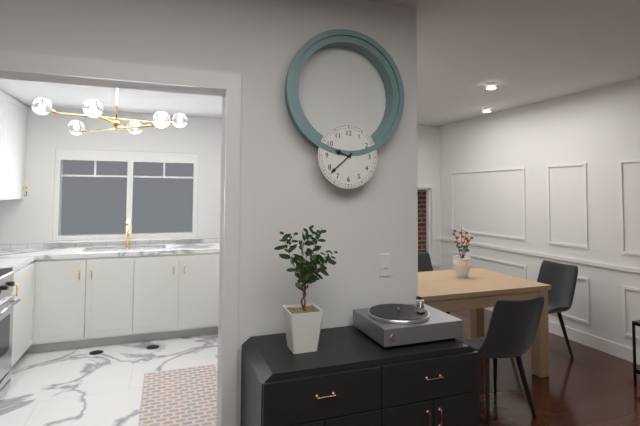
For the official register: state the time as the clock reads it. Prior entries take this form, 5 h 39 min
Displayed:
9 h 38 min
